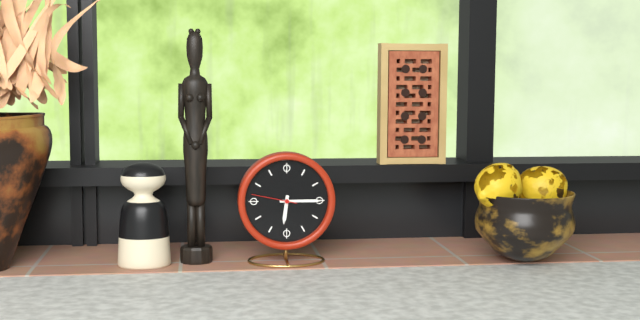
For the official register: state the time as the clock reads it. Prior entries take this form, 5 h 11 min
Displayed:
6 h 15 min
